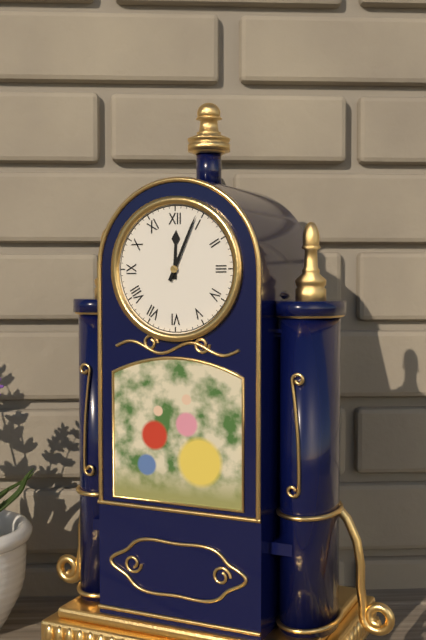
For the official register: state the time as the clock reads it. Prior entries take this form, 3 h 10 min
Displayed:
12 h 04 min
